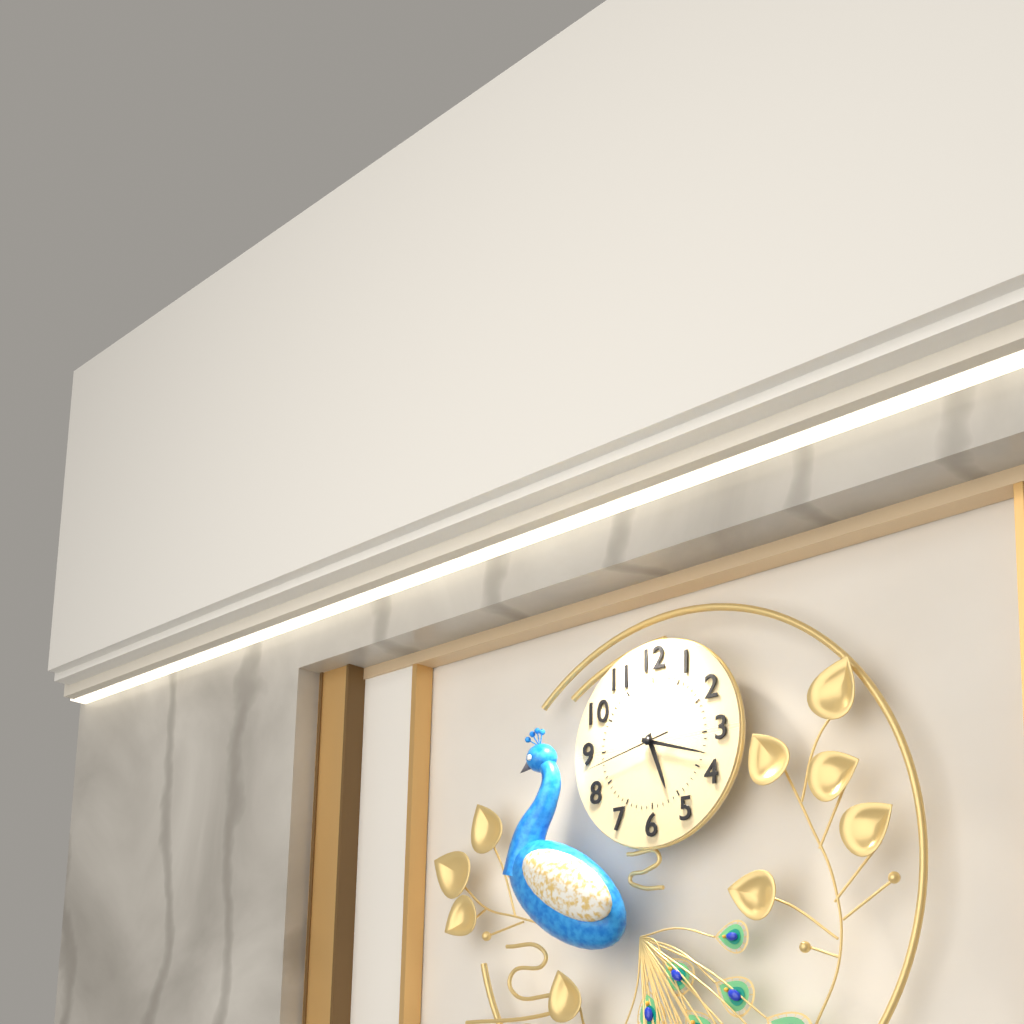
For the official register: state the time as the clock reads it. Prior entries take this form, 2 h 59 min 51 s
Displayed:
5 h 18 min 43 s
